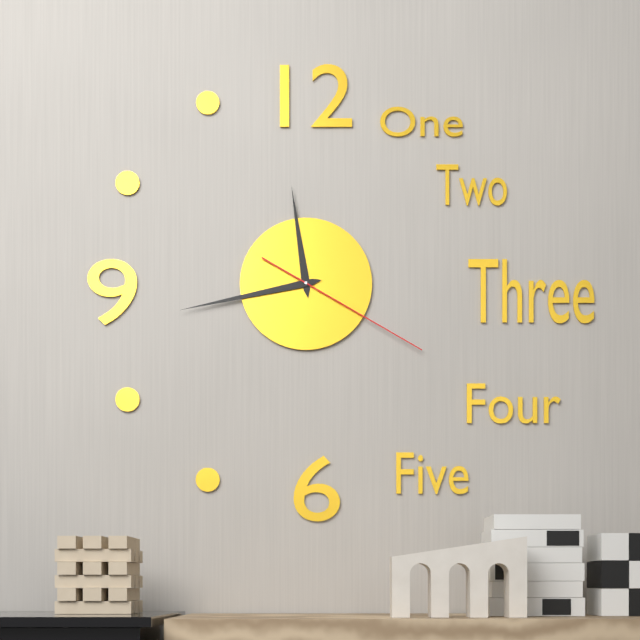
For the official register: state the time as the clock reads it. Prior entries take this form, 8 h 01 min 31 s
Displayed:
11 h 43 min 20 s
